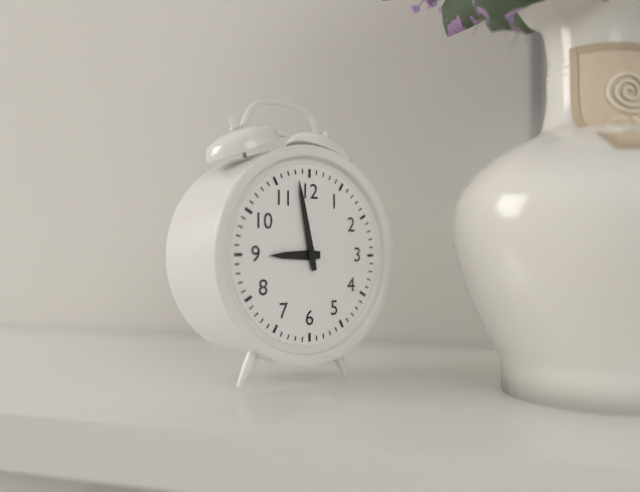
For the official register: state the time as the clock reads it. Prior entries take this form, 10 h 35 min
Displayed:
8 h 58 min
